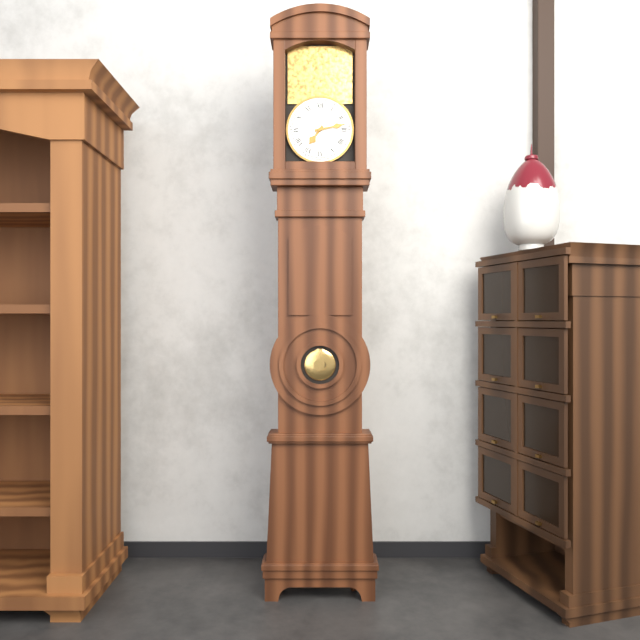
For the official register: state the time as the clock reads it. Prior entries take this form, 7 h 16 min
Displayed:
7 h 13 min
